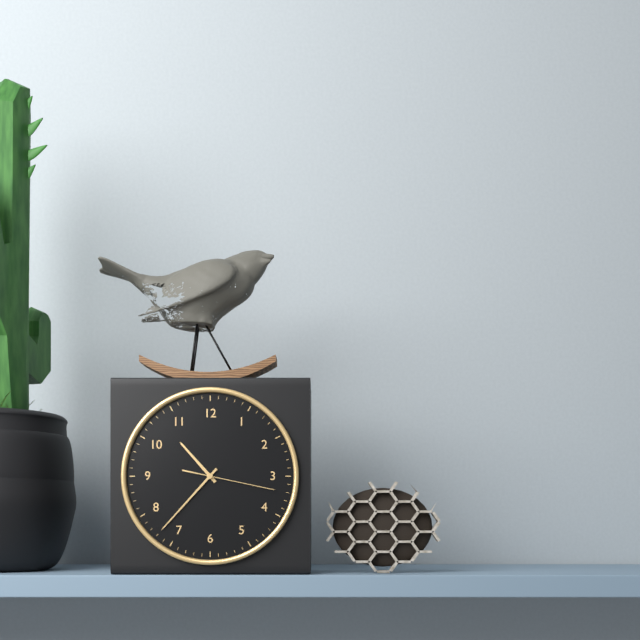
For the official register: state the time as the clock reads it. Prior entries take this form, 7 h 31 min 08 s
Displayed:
10 h 37 min 17 s
